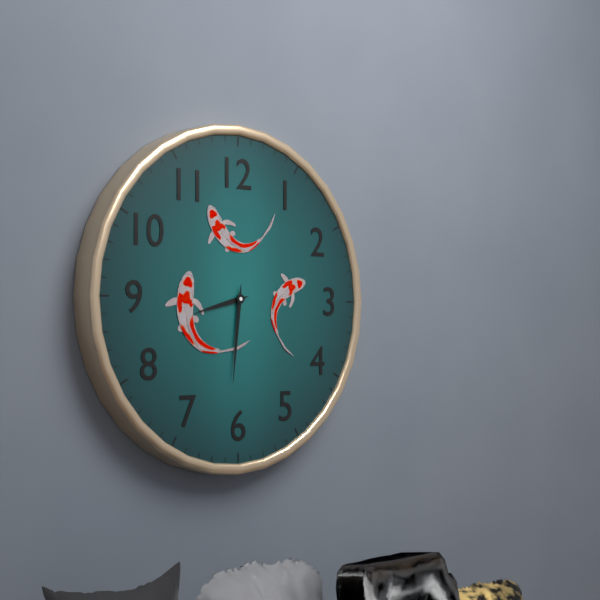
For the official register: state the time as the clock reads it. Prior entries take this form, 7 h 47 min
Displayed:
8 h 31 min
